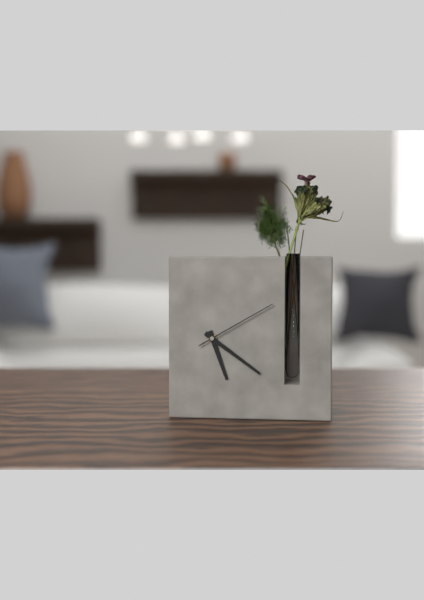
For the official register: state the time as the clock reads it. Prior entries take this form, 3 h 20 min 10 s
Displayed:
5 h 21 min 10 s
